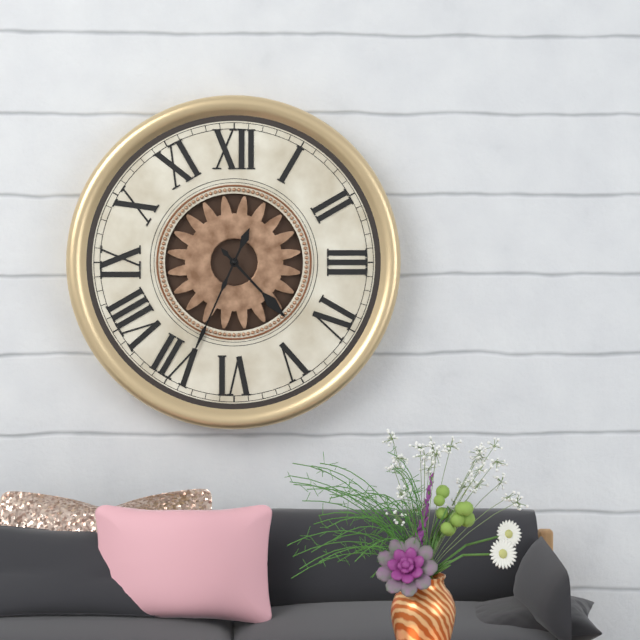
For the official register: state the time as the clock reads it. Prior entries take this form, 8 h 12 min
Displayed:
4 h 34 min
